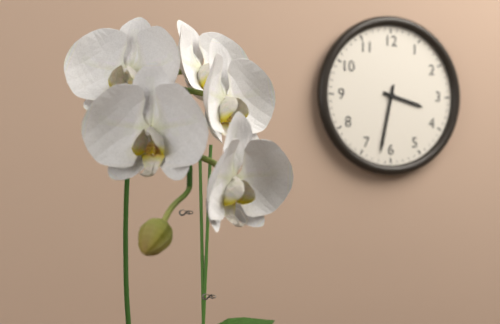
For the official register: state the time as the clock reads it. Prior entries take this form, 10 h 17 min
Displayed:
3 h 32 min
